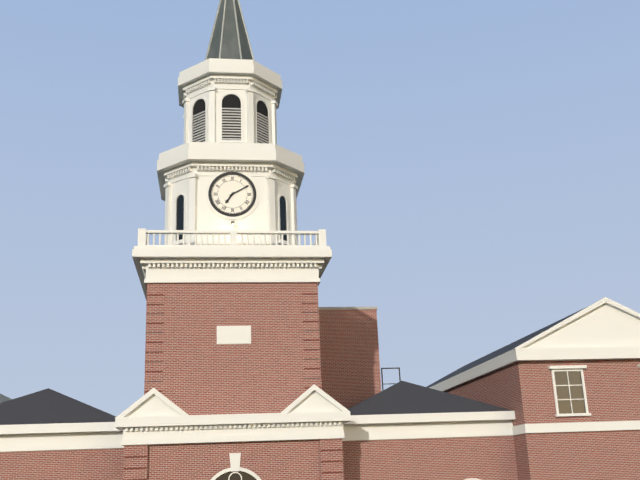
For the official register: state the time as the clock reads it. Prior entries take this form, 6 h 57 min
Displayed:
7 h 10 min
